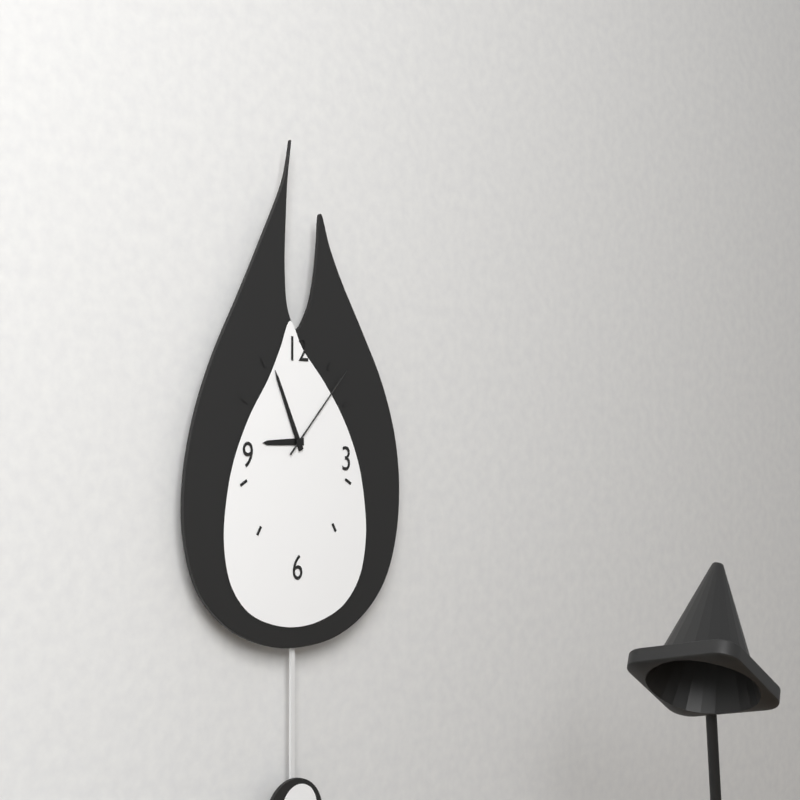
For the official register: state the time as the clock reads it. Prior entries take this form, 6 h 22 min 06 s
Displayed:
8 h 56 min 07 s
